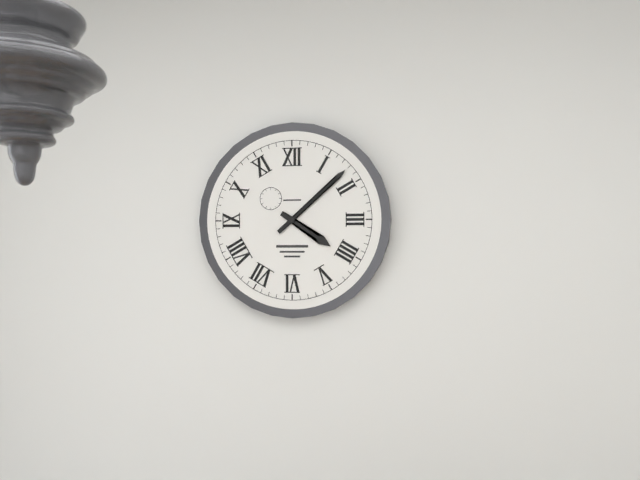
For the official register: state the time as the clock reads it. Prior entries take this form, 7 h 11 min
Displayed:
4 h 08 min
